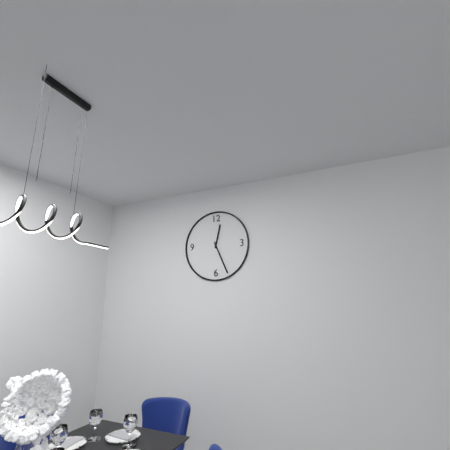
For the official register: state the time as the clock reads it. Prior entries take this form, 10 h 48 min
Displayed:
12 h 26 min
